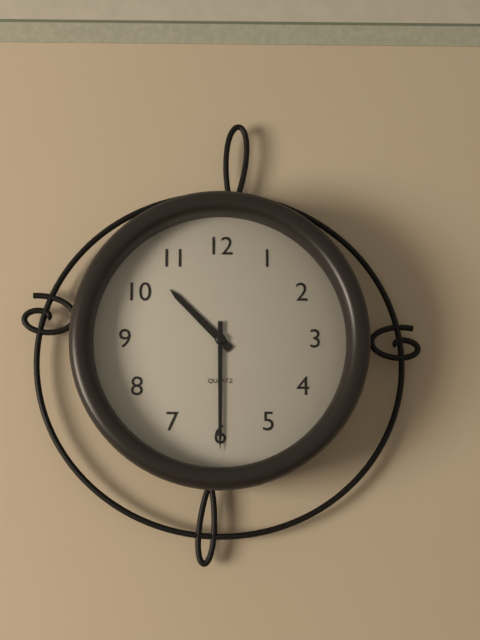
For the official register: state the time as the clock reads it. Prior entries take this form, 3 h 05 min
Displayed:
10 h 30 min
